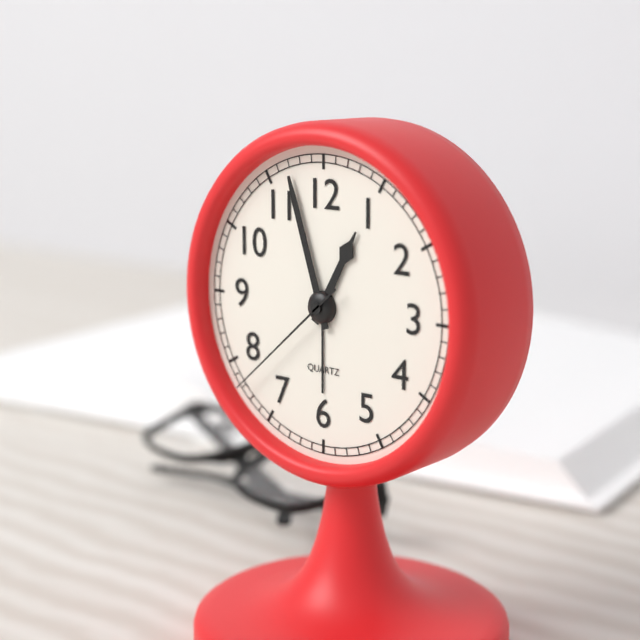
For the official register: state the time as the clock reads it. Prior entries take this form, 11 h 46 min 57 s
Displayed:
12 h 57 min 38 s
